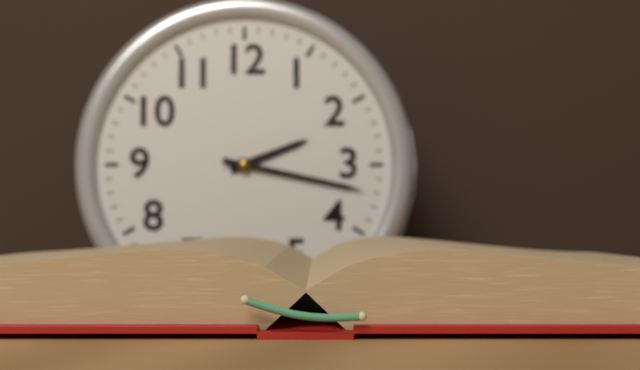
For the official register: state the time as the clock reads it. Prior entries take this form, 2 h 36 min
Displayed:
2 h 17 min
